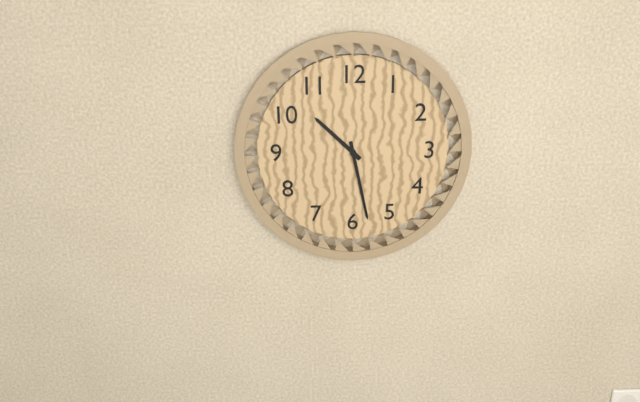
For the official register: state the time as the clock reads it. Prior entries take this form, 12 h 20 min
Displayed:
10 h 28 min
